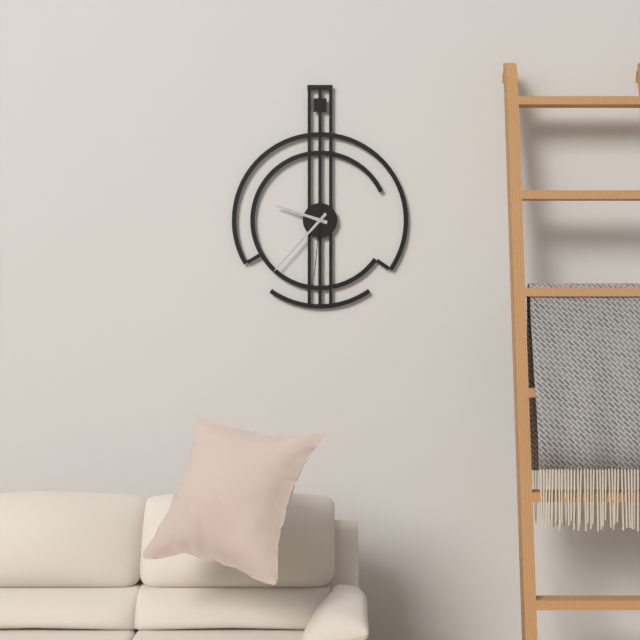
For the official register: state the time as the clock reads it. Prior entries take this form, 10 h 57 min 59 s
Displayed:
9 h 37 min 31 s
